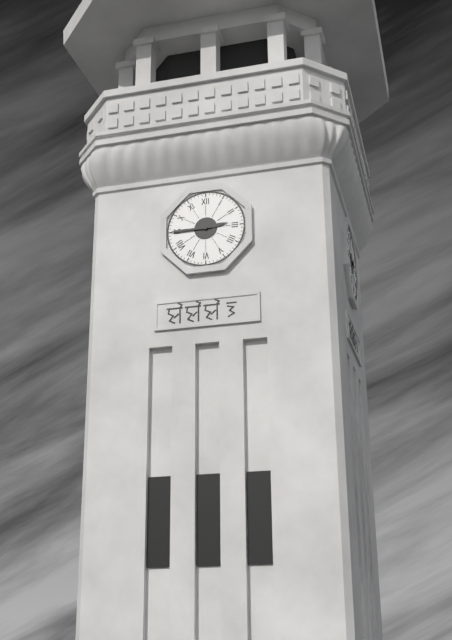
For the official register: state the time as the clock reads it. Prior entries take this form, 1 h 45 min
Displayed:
2 h 45 min
